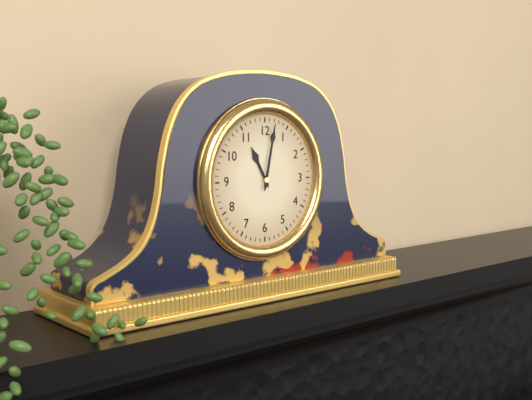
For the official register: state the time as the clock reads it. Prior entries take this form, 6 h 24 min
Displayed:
11 h 02 min
